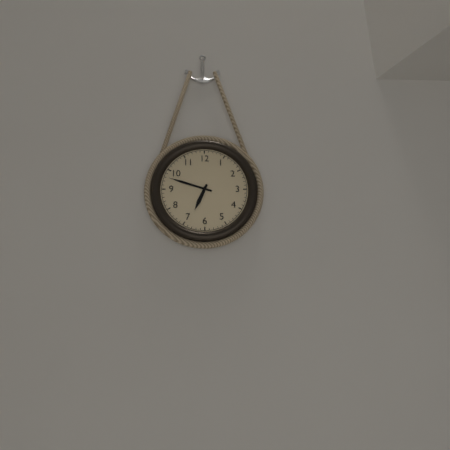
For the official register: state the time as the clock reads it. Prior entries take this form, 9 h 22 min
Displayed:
6 h 48 min
